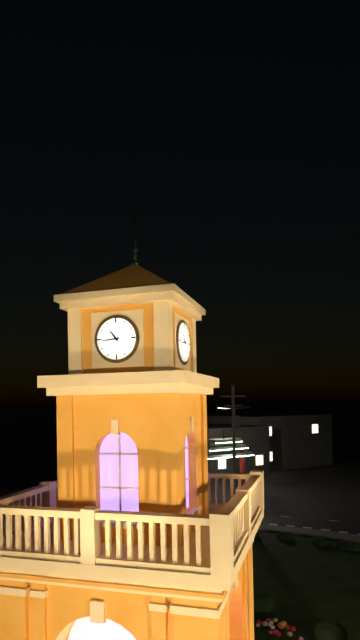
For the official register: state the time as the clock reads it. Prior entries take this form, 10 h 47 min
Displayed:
10 h 44 min
